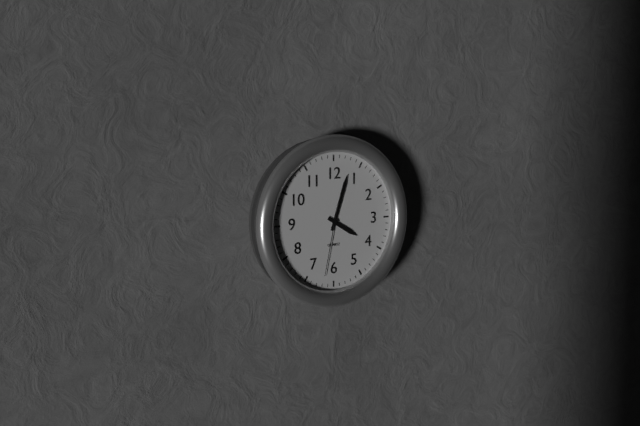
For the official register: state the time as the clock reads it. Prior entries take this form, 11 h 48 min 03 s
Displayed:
4 h 03 min 32 s
